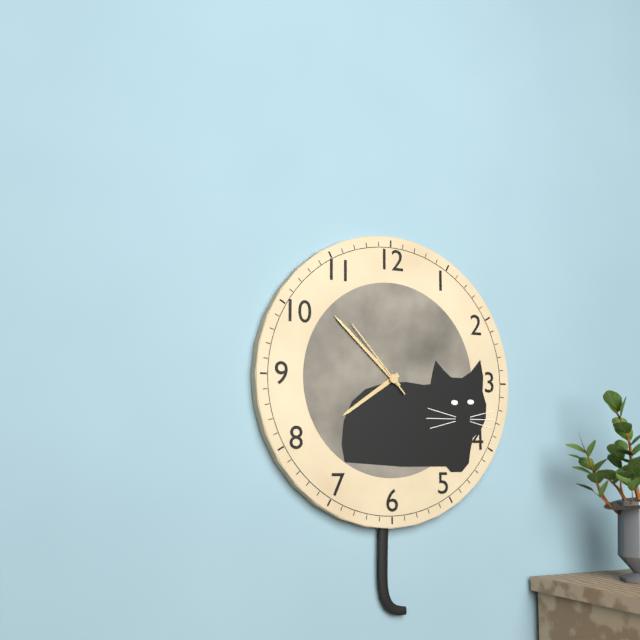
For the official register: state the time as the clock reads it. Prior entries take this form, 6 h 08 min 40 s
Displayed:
7 h 52 min 53 s
